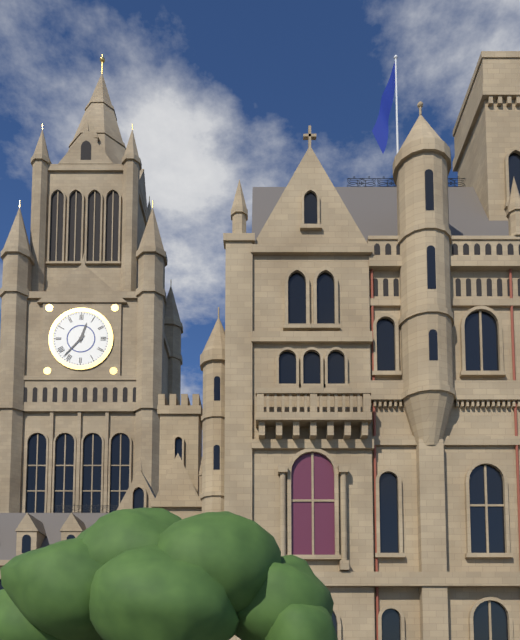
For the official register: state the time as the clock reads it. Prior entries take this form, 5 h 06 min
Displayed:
12 h 37 min
